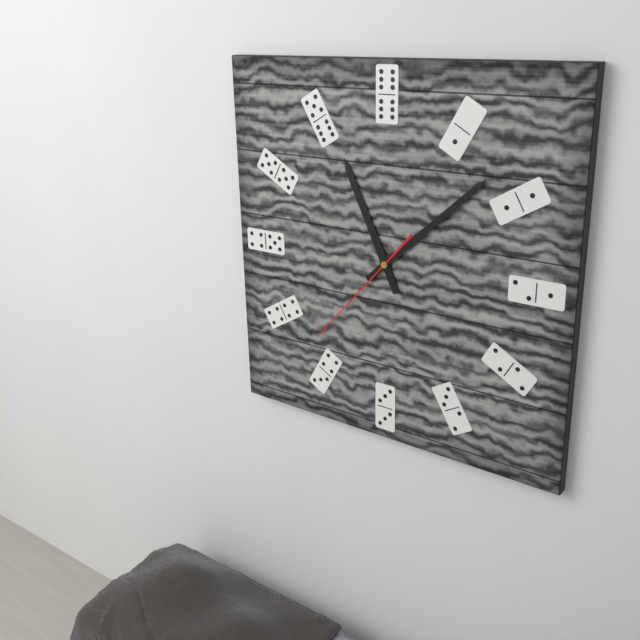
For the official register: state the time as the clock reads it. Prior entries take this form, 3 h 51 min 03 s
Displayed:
11 h 08 min 37 s
